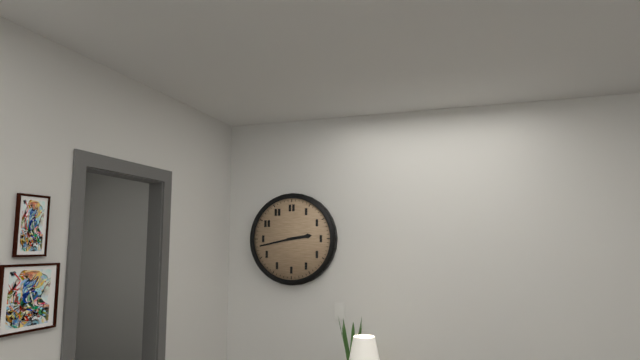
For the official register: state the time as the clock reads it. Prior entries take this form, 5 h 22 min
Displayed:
2 h 43 min
